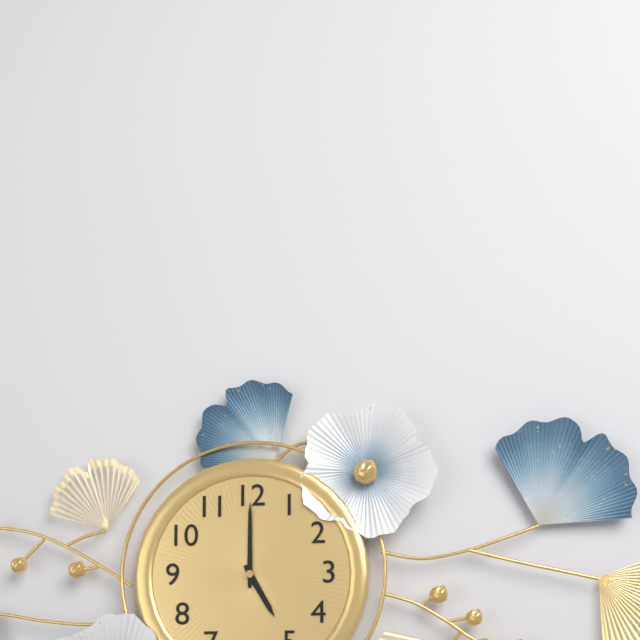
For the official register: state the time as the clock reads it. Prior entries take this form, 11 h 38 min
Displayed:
5 h 00 min
